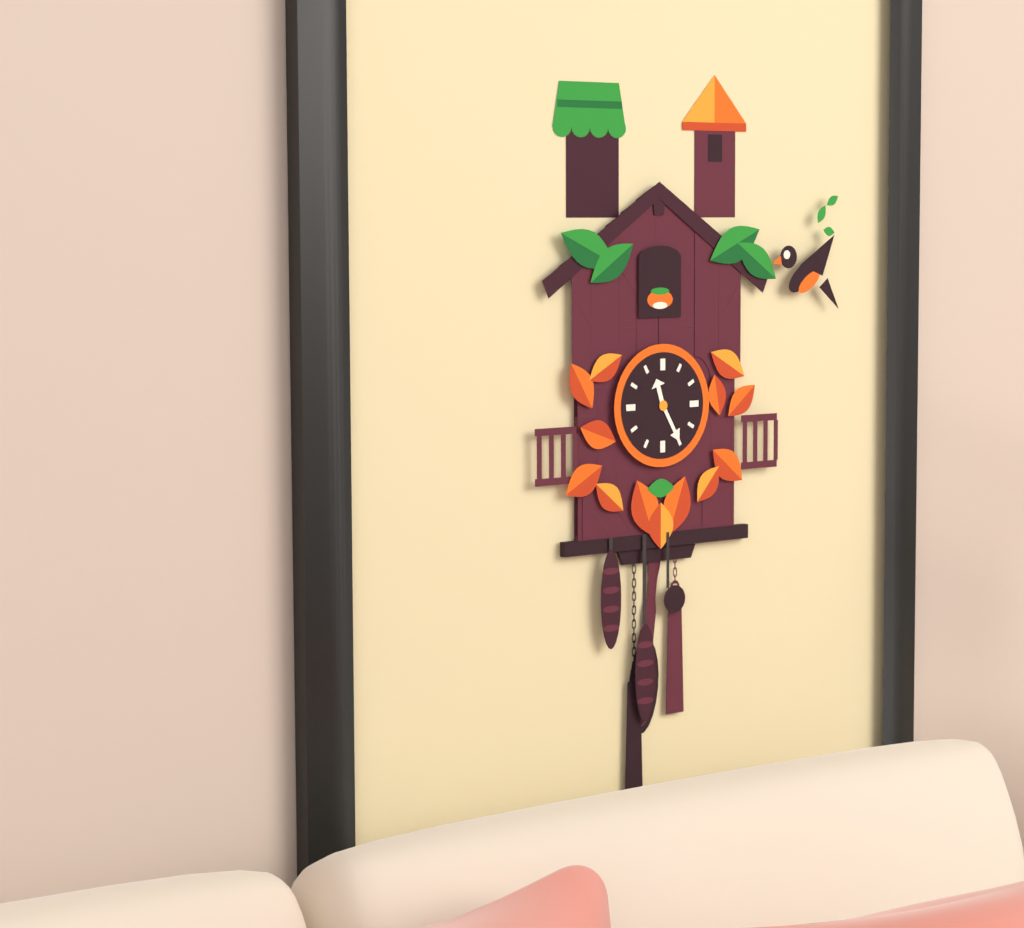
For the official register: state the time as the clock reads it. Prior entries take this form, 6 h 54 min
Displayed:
11 h 25 min
